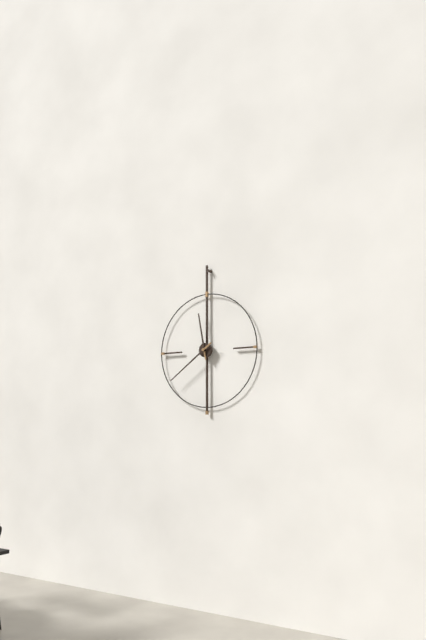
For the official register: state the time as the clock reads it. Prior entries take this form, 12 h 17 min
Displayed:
11 h 39 min
